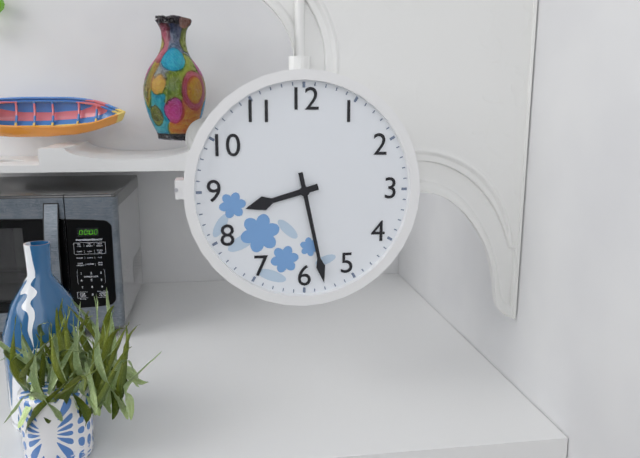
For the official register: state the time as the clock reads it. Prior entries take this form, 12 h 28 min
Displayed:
8 h 28 min
